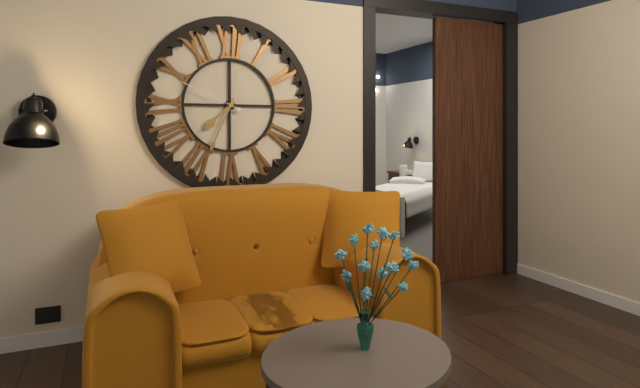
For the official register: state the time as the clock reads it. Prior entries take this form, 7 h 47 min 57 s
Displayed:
7 h 34 min 49 s
